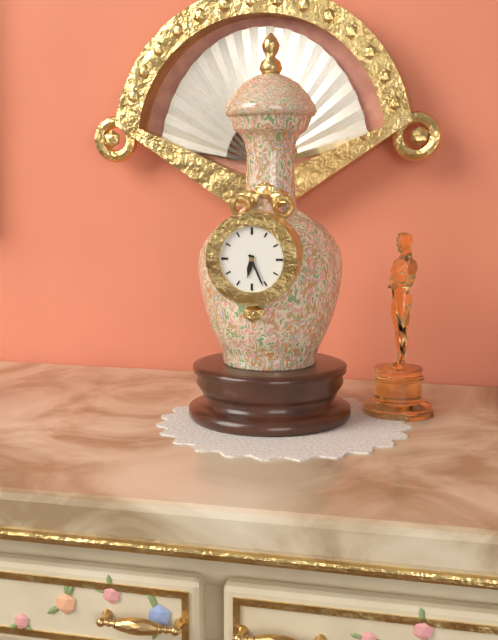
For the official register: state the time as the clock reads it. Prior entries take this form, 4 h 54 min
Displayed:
6 h 26 min
